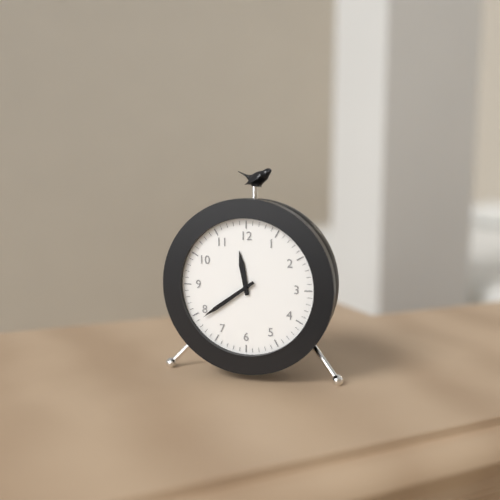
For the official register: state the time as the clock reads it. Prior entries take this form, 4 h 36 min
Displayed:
11 h 39 min
